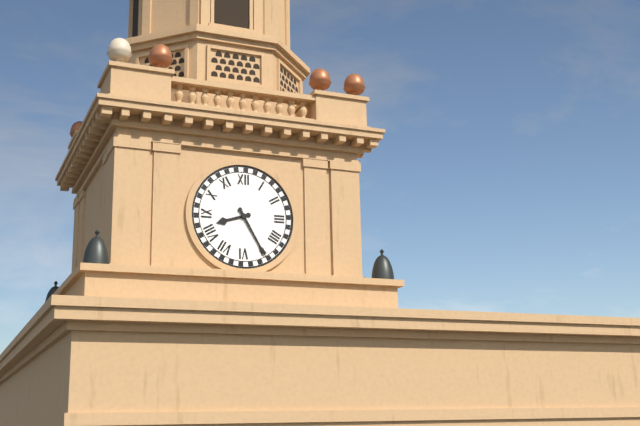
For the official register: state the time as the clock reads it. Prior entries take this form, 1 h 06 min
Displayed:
8 h 25 min
